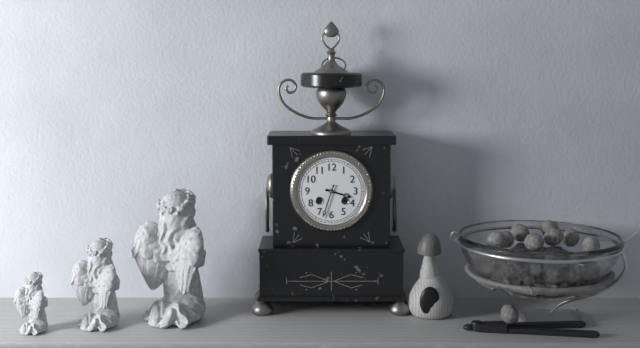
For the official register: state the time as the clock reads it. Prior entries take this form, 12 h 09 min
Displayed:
3 h 33 min
